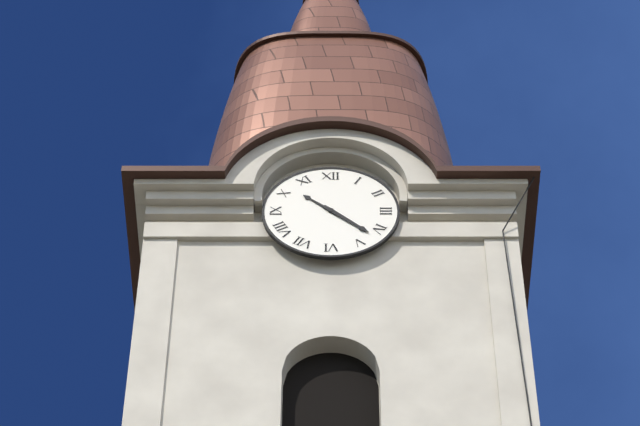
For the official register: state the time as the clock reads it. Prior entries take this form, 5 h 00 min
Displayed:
10 h 22 min
